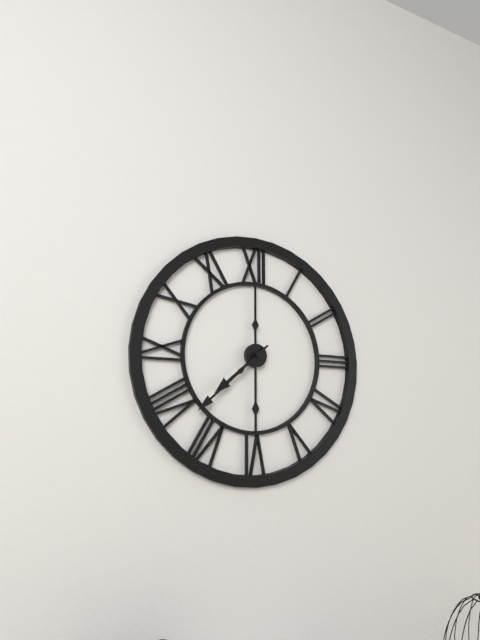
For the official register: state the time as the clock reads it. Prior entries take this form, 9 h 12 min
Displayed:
7 h 38 min
